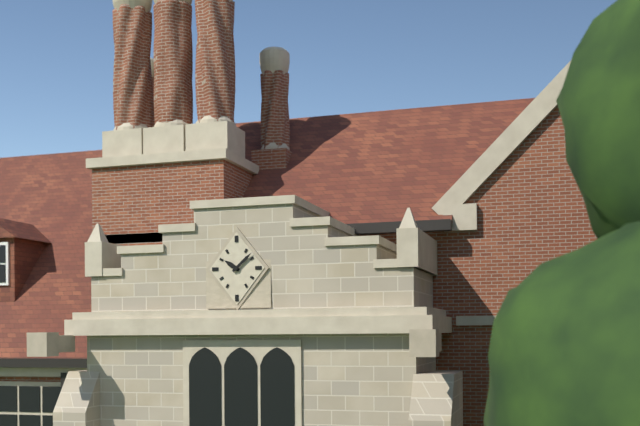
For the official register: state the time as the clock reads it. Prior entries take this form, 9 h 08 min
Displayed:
10 h 08 min
